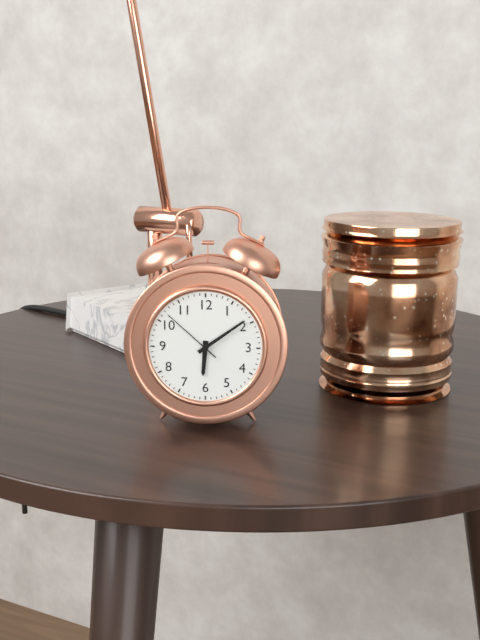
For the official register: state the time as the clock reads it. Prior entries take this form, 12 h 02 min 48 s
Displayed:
6 h 09 min 52 s
